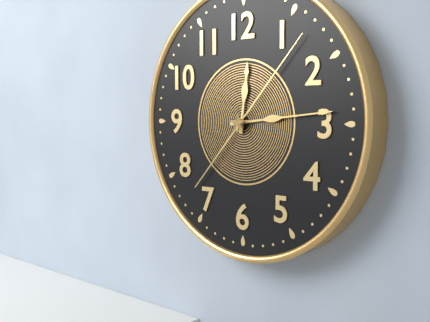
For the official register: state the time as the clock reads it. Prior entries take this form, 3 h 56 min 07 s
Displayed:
12 h 14 min 07 s
